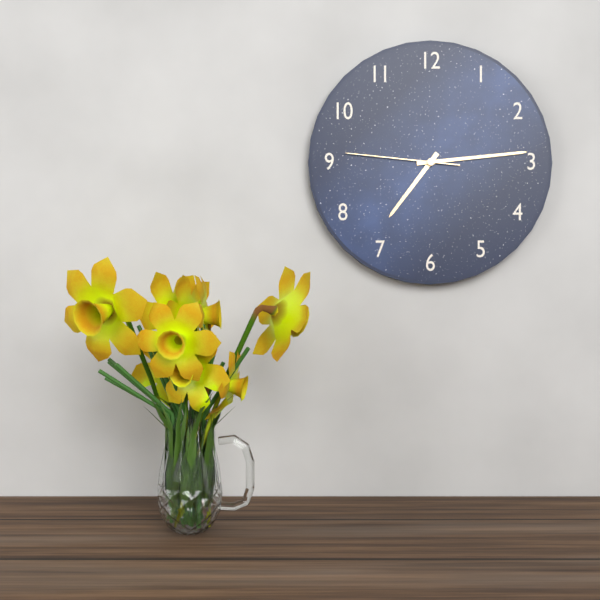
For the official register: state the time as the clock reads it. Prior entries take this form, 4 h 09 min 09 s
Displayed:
7 h 14 min 46 s
